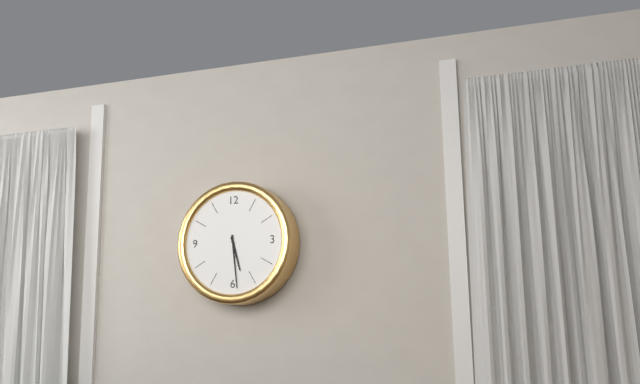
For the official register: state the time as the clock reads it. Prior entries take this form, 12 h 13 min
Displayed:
5 h 29 min
